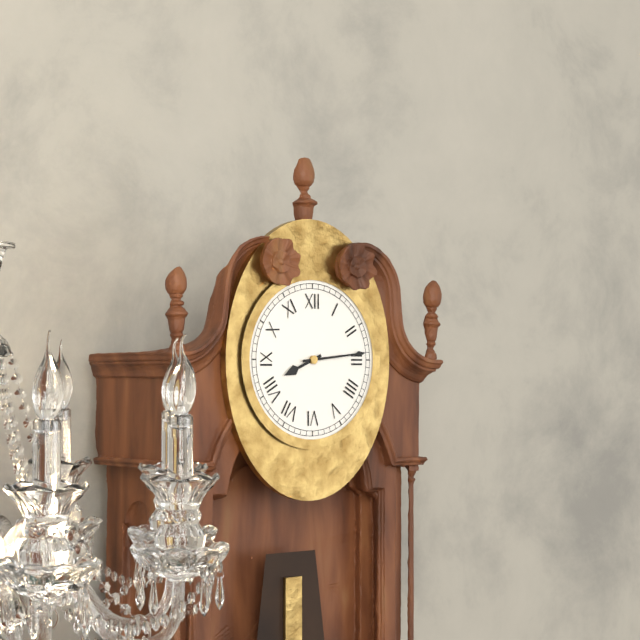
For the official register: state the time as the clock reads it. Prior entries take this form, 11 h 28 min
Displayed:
8 h 14 min
